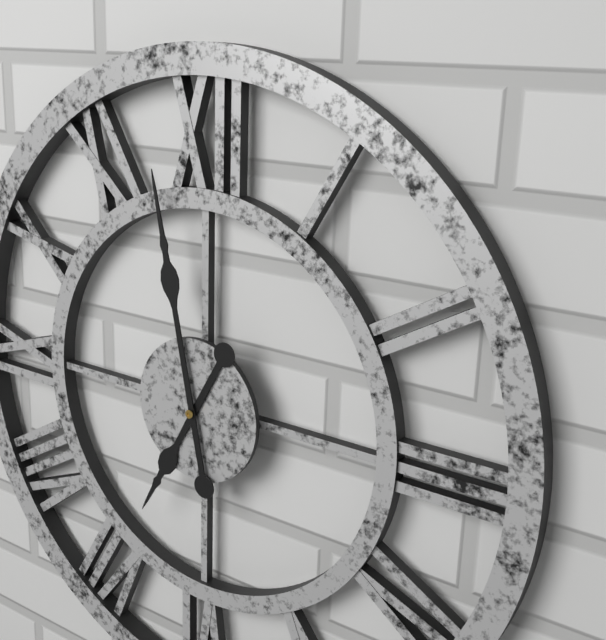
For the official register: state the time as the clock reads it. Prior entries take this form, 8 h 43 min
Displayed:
6 h 58 min
